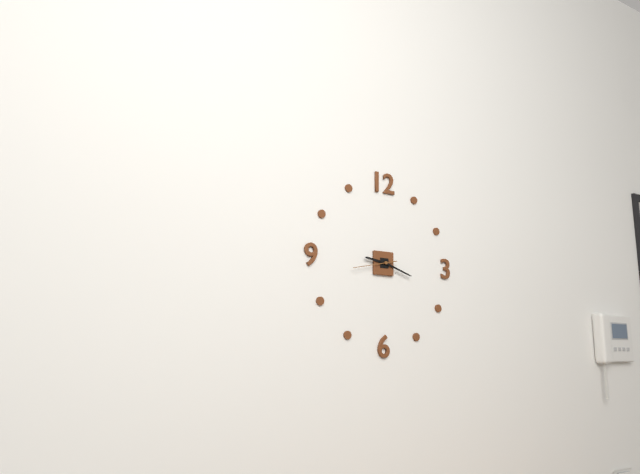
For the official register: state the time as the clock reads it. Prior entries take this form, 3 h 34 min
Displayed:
9 h 18 min
